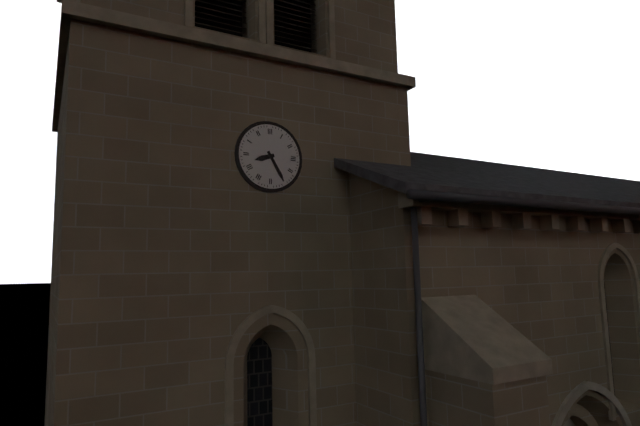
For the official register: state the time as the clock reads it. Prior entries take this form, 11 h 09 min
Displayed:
8 h 25 min
